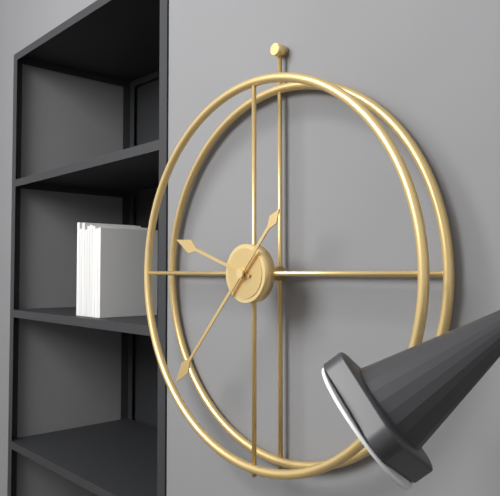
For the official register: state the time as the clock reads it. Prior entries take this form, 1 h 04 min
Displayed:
9 h 37 min
